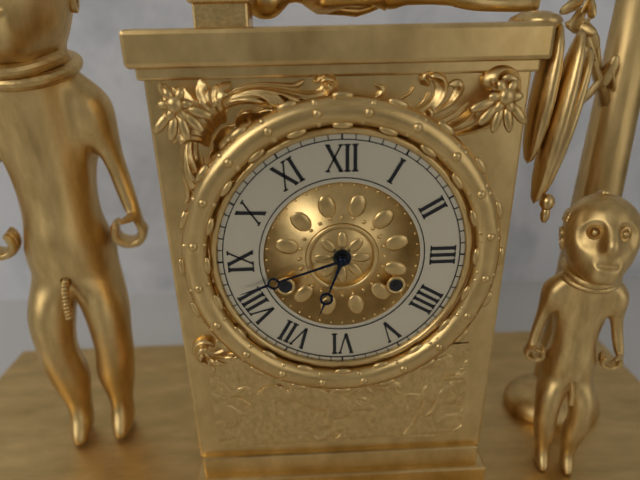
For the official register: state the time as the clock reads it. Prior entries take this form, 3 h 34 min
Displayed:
6 h 42 min
